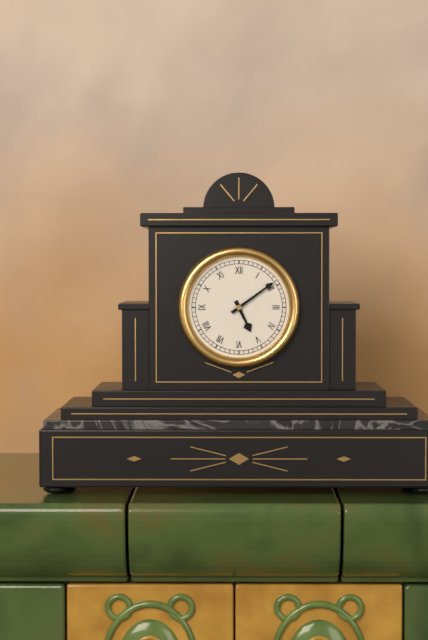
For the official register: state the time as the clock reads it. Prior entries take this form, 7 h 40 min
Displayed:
5 h 09 min
